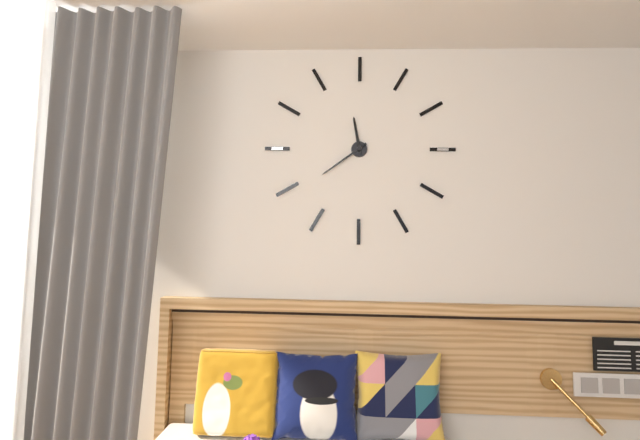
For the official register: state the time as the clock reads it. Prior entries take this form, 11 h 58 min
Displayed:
11 h 39 min
